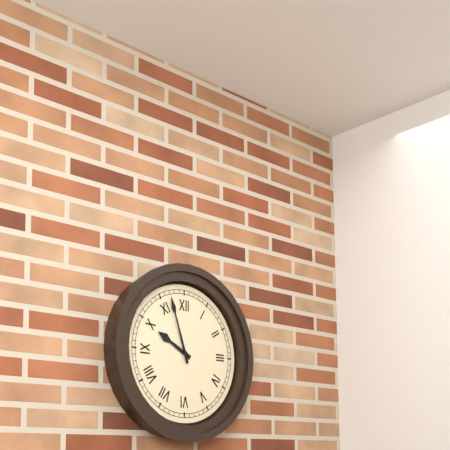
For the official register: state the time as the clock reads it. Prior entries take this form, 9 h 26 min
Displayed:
9 h 57 min
